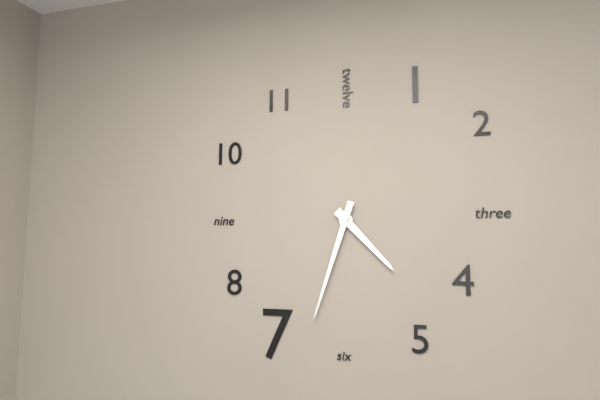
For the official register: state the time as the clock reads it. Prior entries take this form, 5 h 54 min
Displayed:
4 h 33 min
